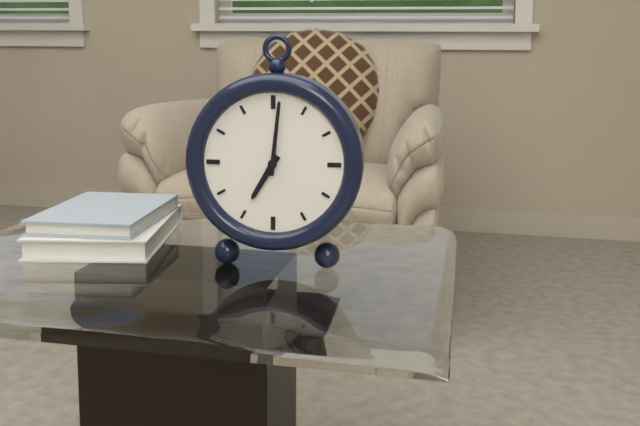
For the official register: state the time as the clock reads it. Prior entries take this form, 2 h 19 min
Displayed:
7 h 01 min
